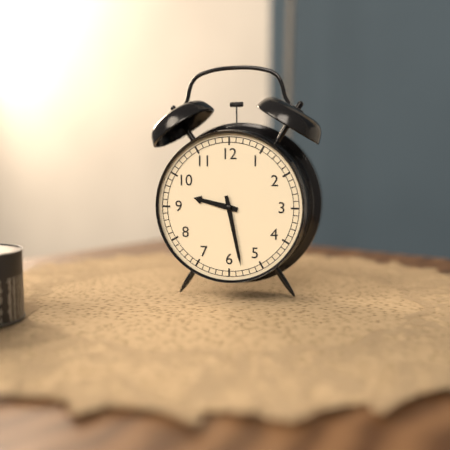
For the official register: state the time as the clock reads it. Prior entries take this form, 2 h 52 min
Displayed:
9 h 28 min
